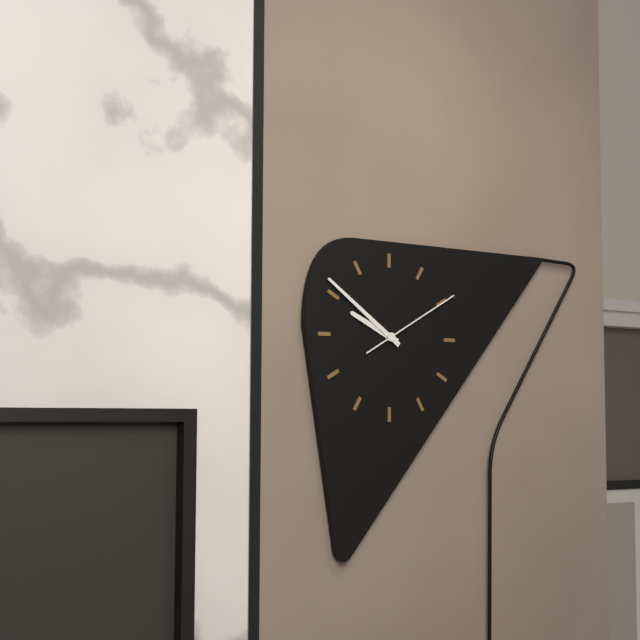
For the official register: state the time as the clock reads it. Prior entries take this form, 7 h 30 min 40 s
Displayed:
9 h 51 min 10 s
